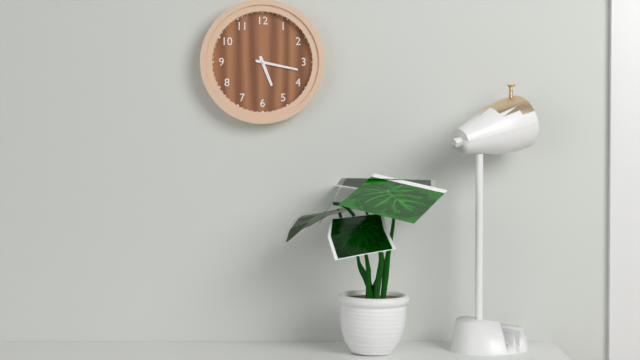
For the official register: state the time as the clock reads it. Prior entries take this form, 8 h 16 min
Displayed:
5 h 17 min
